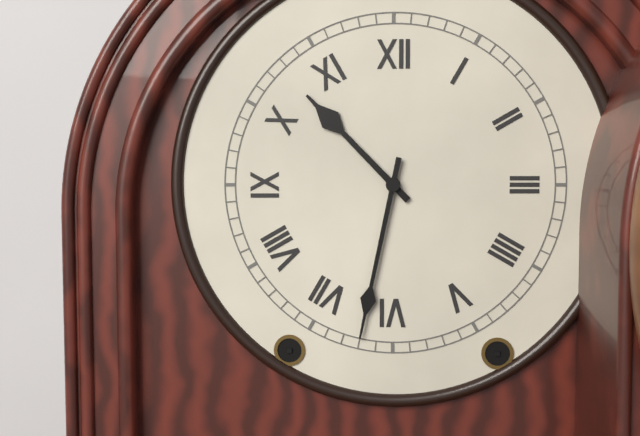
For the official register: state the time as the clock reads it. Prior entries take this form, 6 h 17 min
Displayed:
10 h 32 min
